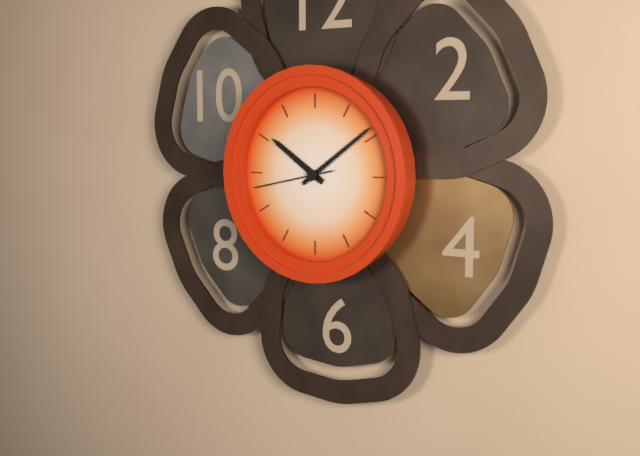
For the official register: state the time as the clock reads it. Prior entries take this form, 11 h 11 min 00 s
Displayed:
10 h 09 min 43 s
